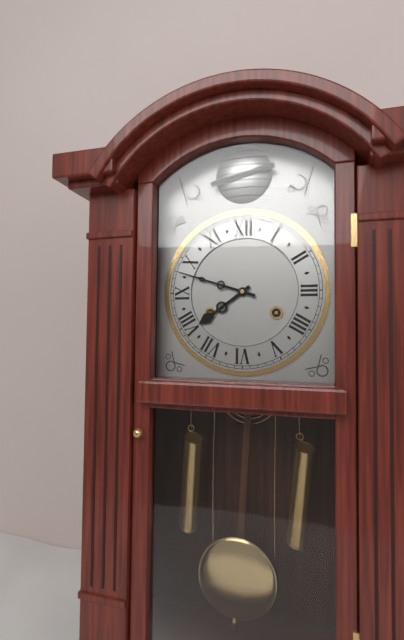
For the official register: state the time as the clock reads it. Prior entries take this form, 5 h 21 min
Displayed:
7 h 48 min
